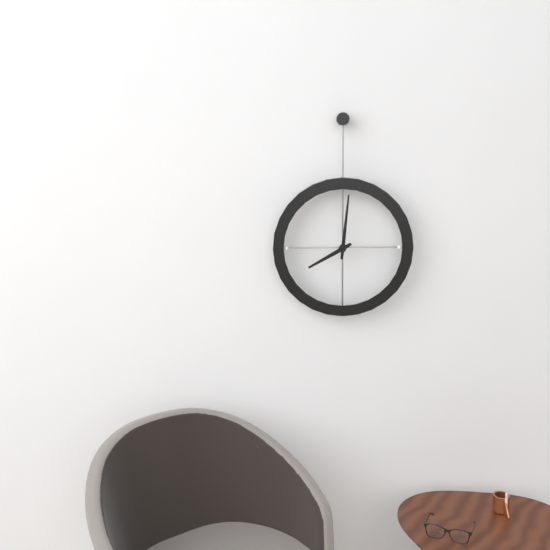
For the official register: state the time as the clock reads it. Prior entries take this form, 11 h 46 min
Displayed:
8 h 01 min
